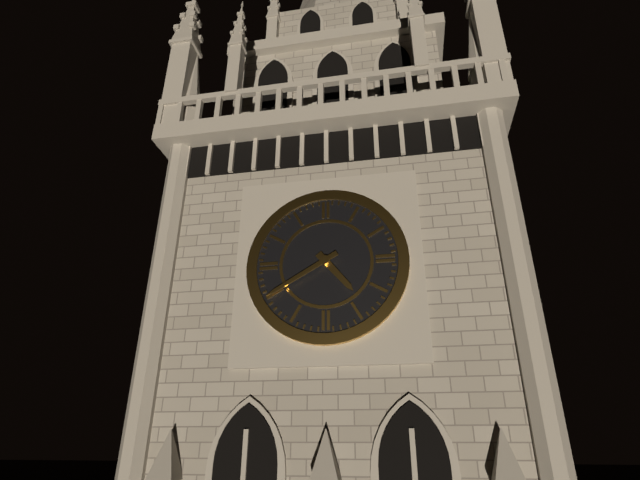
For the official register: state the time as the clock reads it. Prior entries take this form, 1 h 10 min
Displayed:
4 h 40 min
